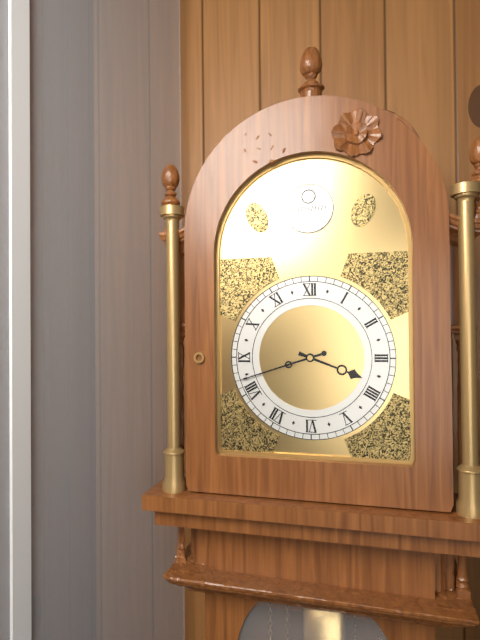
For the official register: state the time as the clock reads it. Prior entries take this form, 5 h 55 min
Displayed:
3 h 42 min
